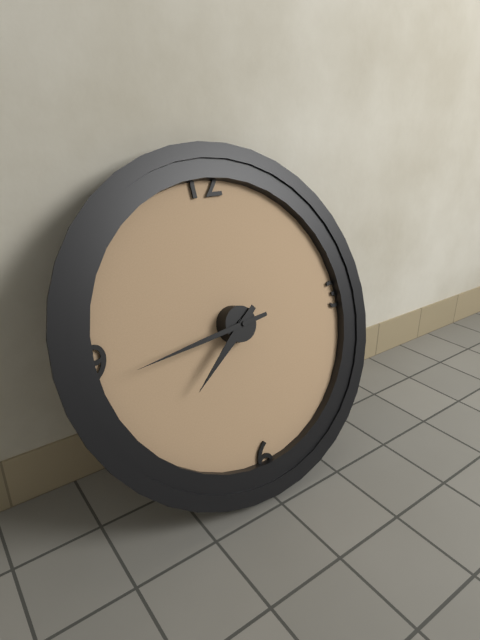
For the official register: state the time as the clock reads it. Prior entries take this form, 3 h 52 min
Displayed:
7 h 44 min
